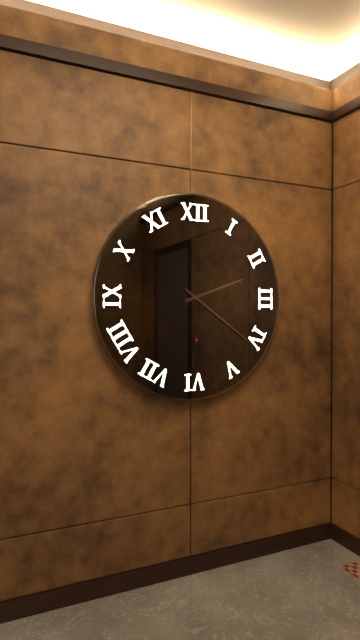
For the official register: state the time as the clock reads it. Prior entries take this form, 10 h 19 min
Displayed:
2 h 21 min
